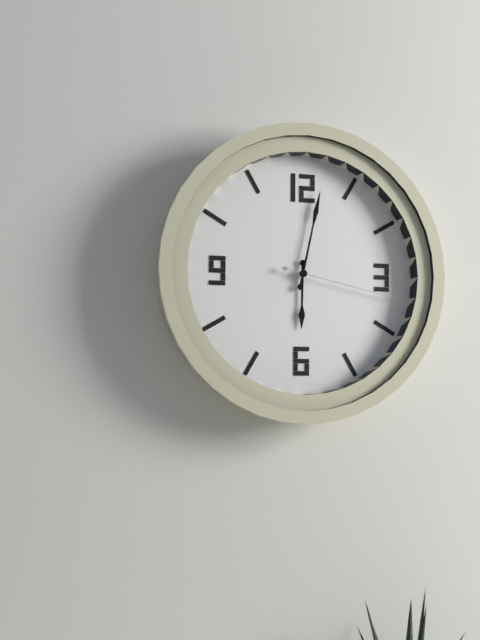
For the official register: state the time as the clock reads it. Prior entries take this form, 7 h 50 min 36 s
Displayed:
6 h 02 min 17 s
